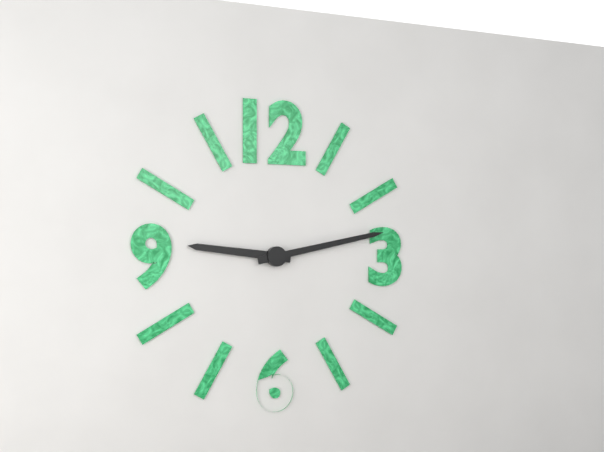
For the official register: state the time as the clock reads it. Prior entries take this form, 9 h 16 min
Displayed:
9 h 13 min
